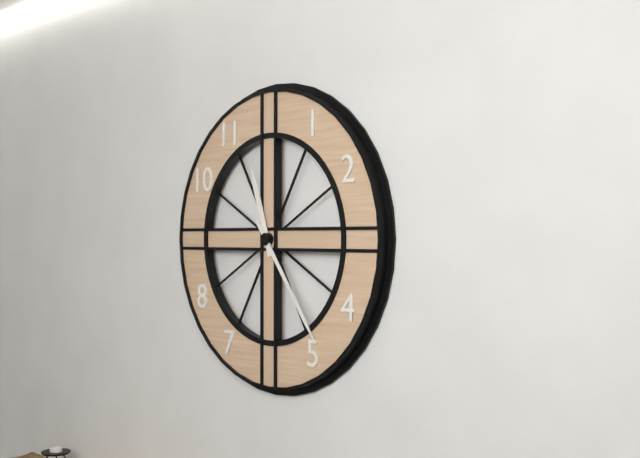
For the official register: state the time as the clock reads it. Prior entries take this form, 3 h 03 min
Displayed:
11 h 24 min
